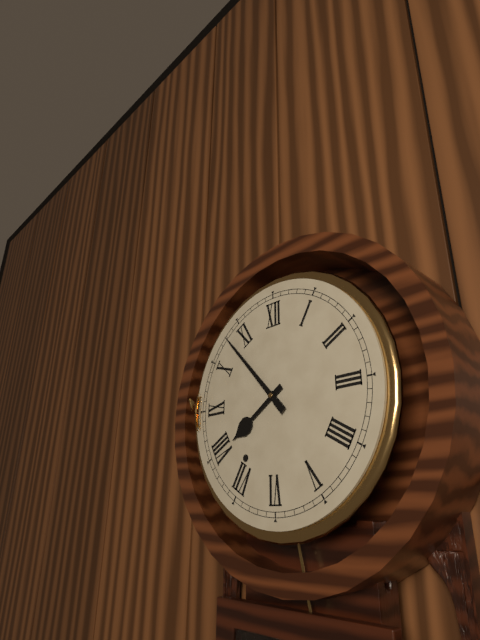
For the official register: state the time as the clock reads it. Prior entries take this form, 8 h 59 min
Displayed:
7 h 53 min
